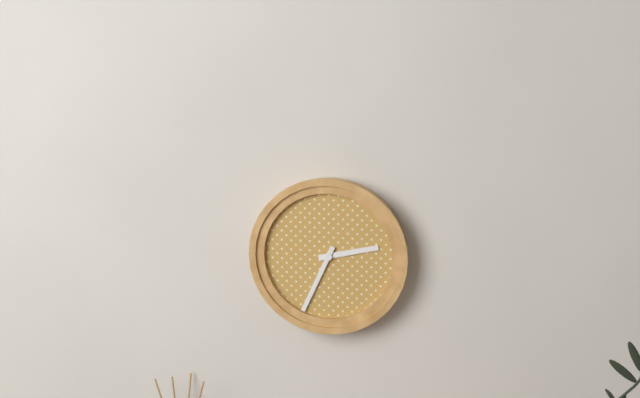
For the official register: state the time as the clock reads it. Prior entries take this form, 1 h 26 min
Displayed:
2 h 34 min
